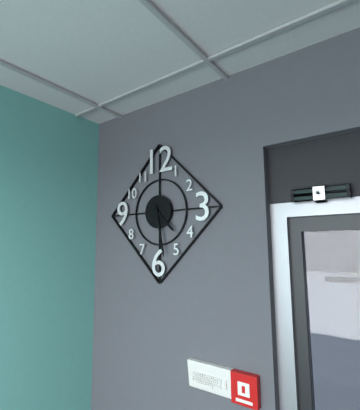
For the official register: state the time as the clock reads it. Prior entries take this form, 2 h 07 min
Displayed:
4 h 28 min
